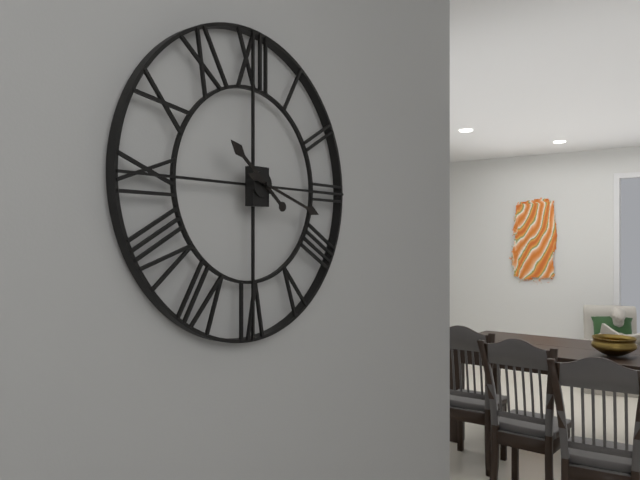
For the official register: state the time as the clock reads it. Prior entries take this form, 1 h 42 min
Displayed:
10 h 18 min
